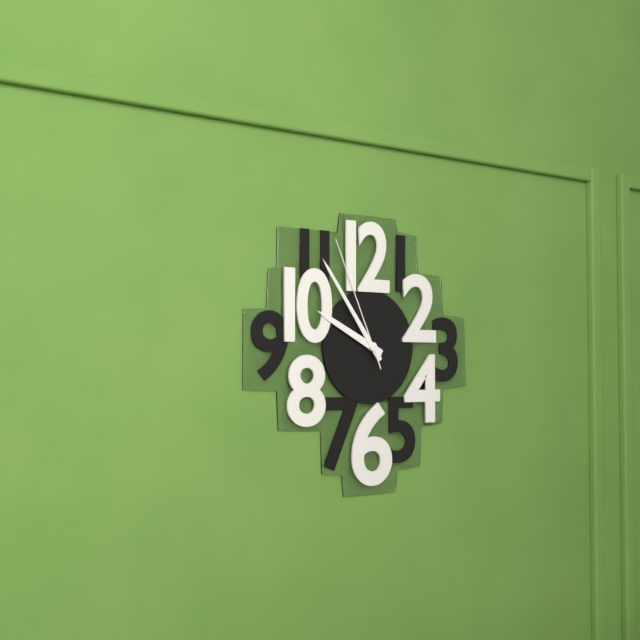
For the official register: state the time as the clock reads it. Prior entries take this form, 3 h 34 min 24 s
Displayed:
9 h 54 min 56 s
